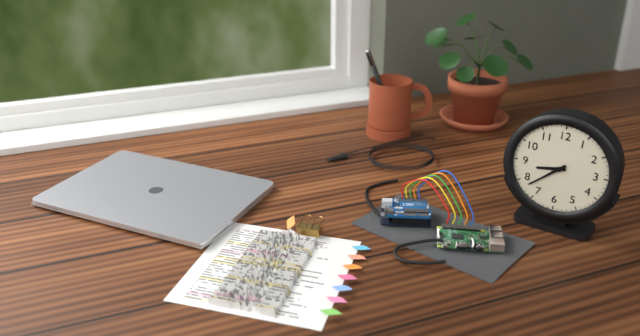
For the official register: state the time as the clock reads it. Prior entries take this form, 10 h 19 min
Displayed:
8 h 38 min
